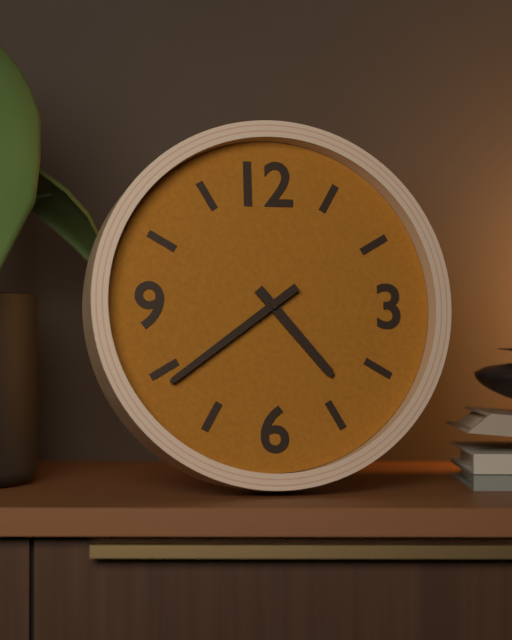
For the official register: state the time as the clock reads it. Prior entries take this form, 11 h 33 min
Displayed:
4 h 39 min
